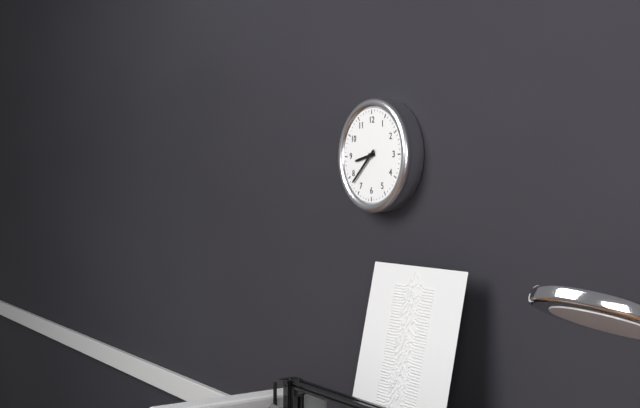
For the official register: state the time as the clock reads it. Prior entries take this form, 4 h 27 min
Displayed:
8 h 38 min
